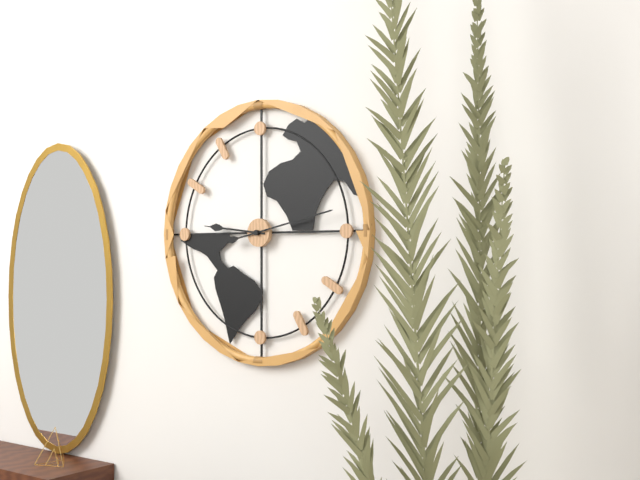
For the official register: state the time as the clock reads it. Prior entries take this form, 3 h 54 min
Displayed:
9 h 13 min
